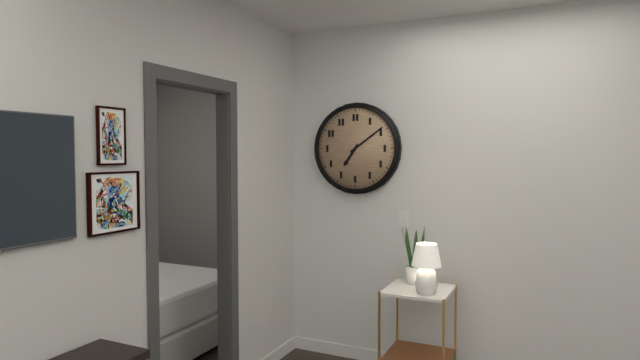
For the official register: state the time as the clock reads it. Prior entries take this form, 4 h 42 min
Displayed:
7 h 09 min
